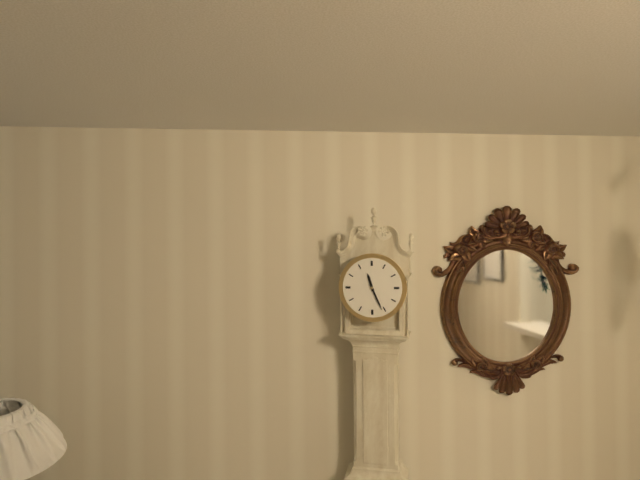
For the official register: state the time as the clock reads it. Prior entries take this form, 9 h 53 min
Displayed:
11 h 26 min
